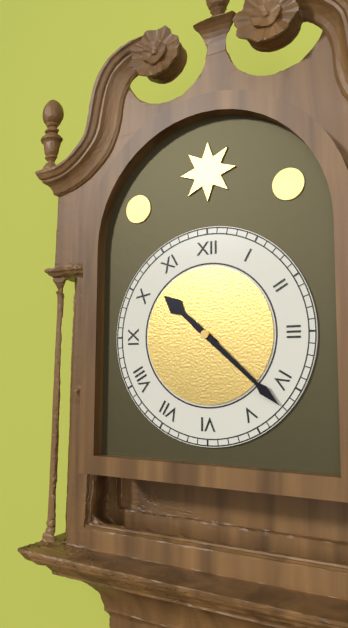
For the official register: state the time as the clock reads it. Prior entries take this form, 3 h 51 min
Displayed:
10 h 22 min
